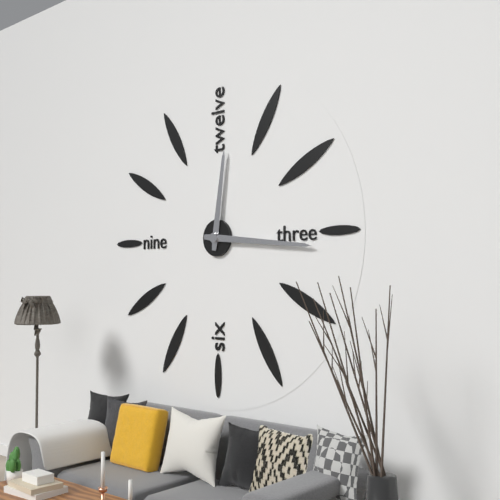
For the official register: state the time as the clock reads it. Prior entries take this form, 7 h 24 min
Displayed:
12 h 16 min
